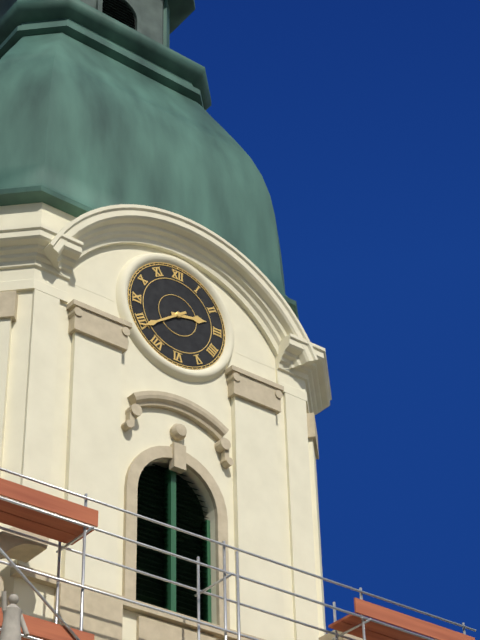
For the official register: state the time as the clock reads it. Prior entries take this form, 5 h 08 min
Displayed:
2 h 39 min
